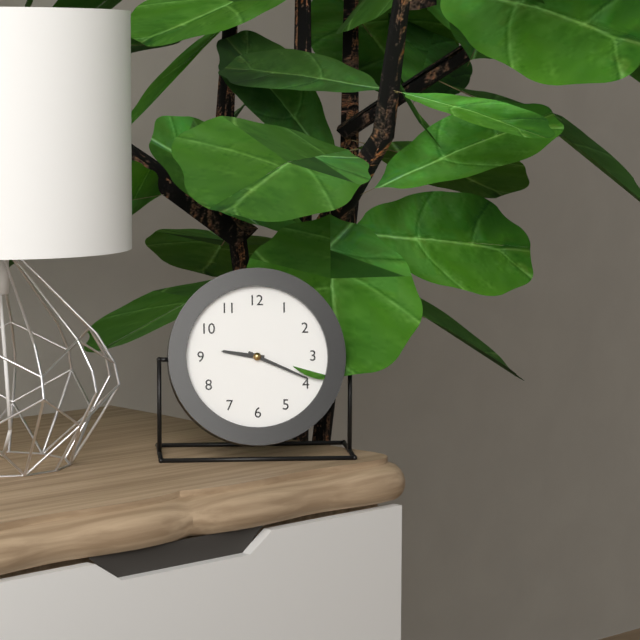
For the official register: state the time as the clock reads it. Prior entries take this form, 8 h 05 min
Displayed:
9 h 19 min
